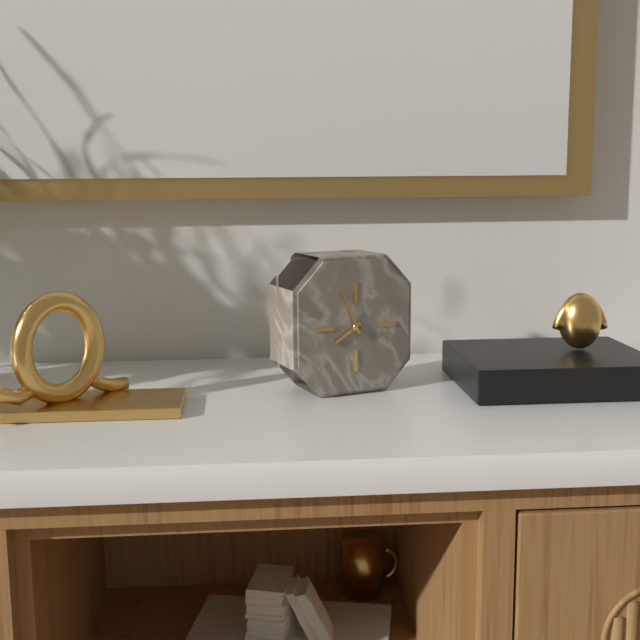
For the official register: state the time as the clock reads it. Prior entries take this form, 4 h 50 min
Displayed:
7 h 56 min
